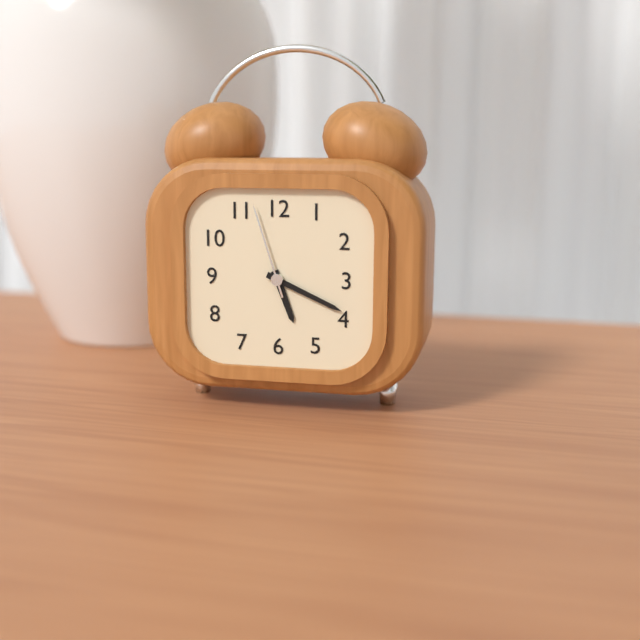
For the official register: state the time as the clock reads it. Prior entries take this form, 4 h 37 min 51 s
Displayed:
5 h 19 min 57 s
